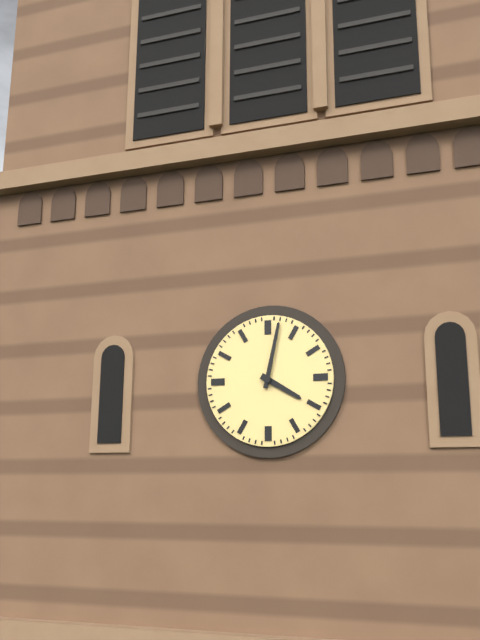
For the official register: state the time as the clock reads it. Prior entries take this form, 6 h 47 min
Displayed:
4 h 02 min
